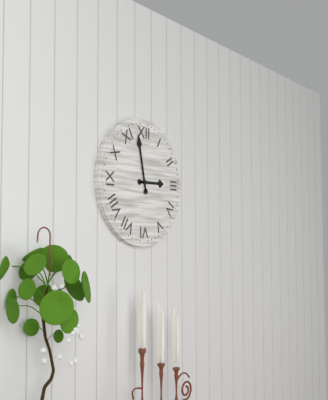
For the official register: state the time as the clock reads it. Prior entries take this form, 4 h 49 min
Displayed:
2 h 58 min
